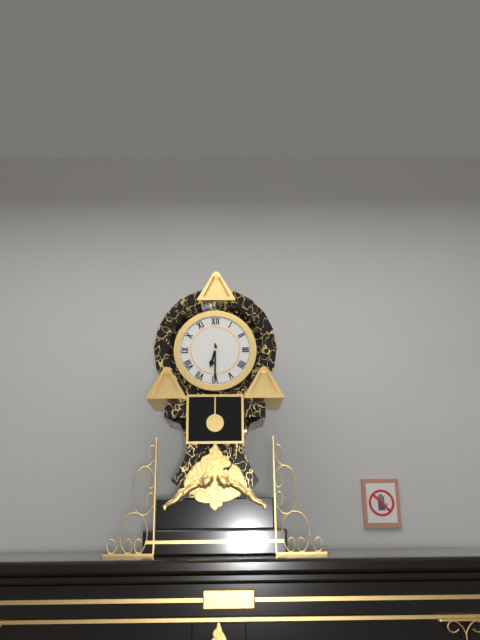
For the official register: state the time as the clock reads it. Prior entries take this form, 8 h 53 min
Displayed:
6 h 30 min
